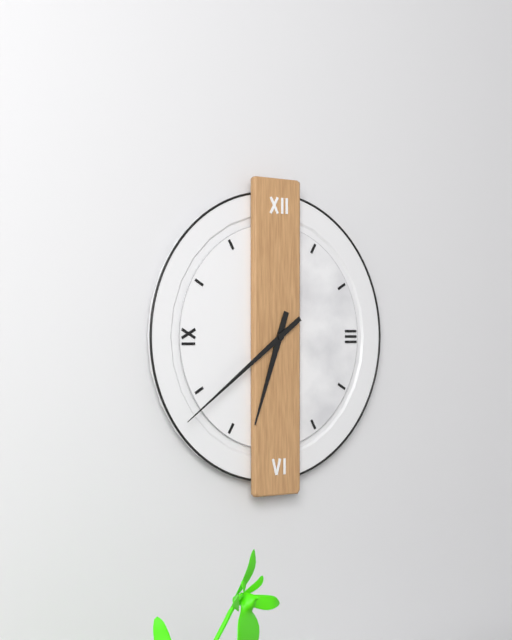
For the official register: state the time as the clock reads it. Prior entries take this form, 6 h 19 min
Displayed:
6 h 39 min
